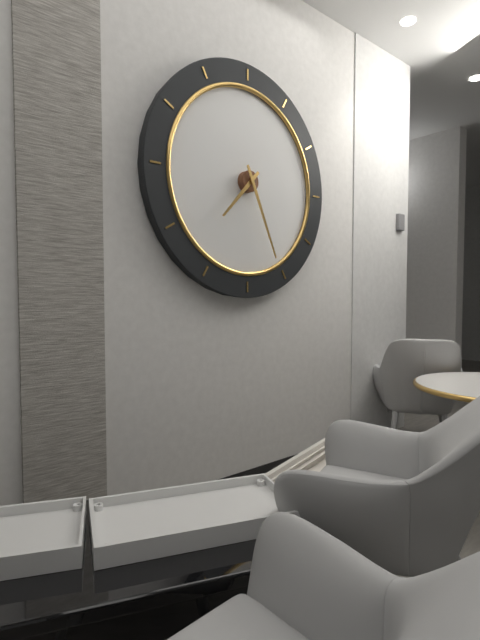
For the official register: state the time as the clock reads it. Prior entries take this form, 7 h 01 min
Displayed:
7 h 26 min
